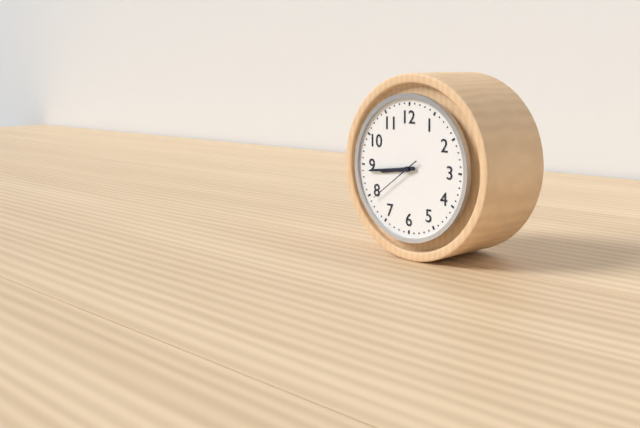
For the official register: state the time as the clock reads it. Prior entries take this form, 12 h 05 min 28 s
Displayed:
8 h 44 min 39 s
